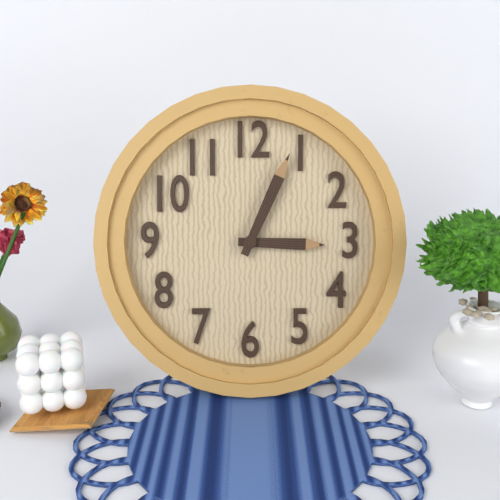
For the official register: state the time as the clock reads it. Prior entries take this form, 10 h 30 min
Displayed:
3 h 04 min
